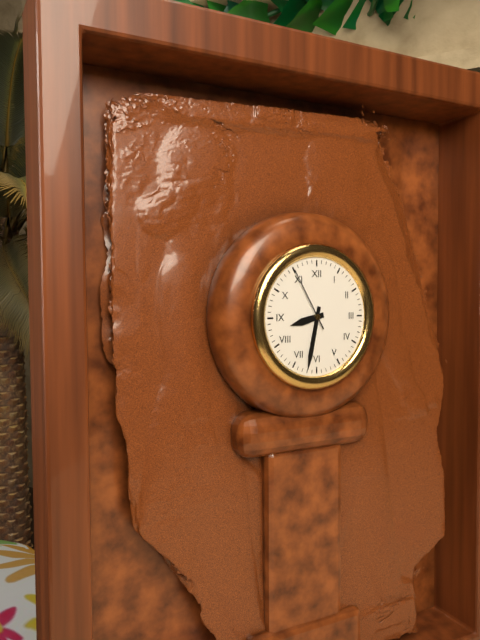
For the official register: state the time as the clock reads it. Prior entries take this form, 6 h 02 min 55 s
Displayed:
8 h 32 min 55 s
